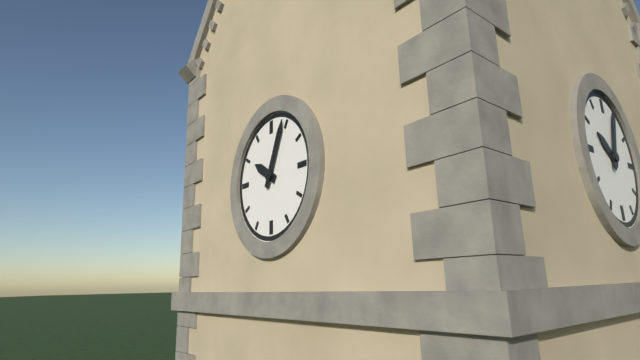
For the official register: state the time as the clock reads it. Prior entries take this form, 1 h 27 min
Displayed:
10 h 04 min
